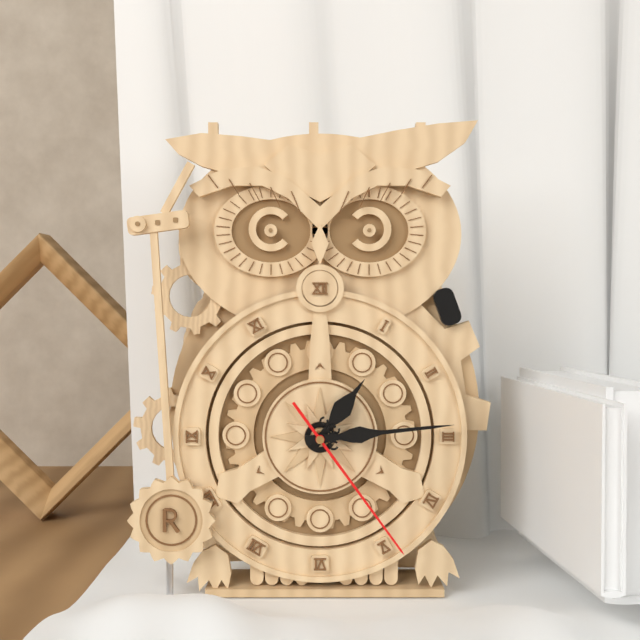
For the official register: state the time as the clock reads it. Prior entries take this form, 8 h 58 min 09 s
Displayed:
1 h 14 min 24 s
